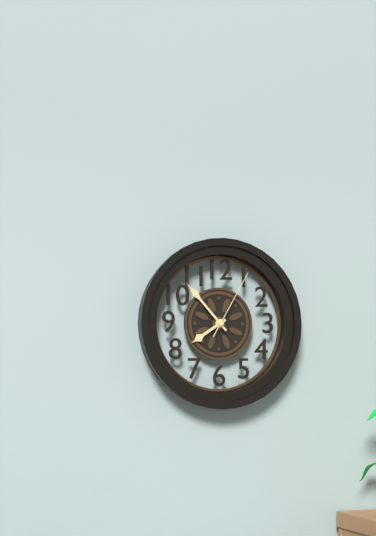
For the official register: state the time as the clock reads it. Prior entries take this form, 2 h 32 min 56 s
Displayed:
7 h 53 min 05 s
